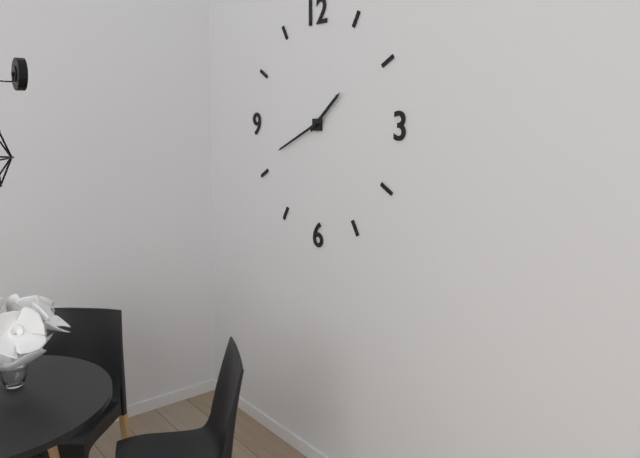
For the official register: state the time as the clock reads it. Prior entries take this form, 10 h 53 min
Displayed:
1 h 41 min
